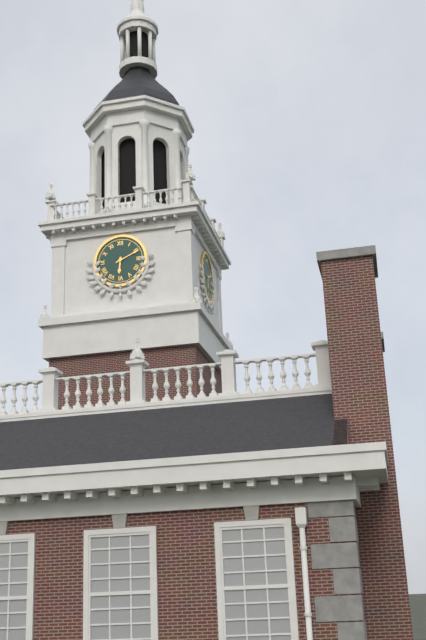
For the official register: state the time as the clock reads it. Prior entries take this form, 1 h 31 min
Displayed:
6 h 11 min
